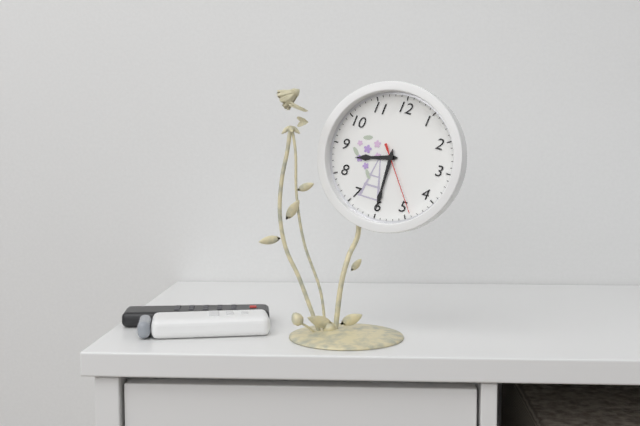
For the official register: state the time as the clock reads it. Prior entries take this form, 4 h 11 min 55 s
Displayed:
8 h 30 min 24 s
